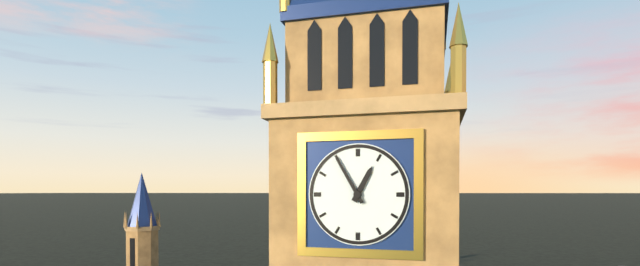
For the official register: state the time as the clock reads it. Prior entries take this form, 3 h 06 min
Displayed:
12 h 55 min
